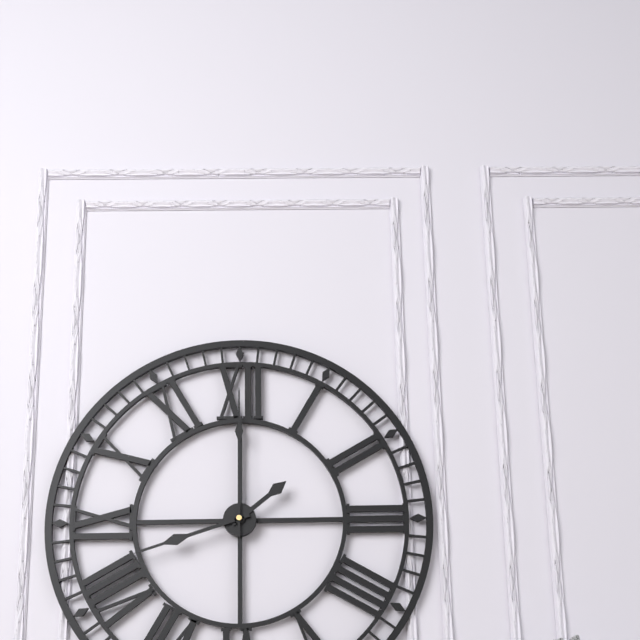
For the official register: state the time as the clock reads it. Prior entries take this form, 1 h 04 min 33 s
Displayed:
1 h 42 min 00 s
